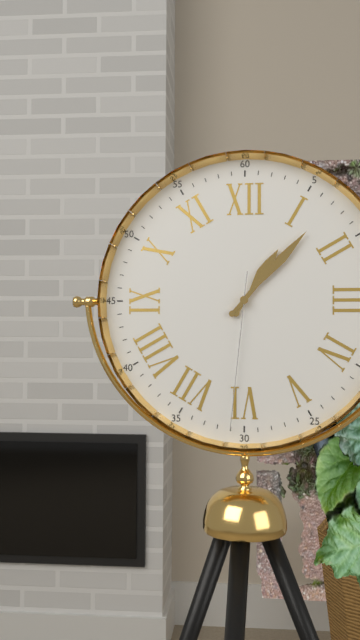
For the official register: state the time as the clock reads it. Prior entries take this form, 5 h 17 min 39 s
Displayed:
1 h 07 min 31 s
